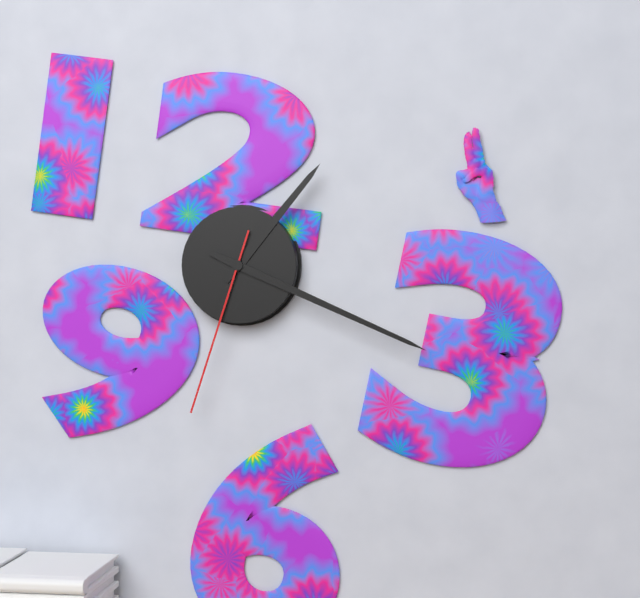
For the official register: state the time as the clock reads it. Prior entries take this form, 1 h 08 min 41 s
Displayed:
1 h 19 min 33 s
